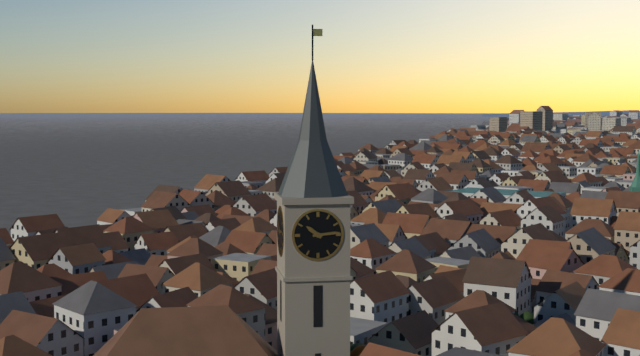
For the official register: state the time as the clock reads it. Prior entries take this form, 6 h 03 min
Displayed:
10 h 14 min
